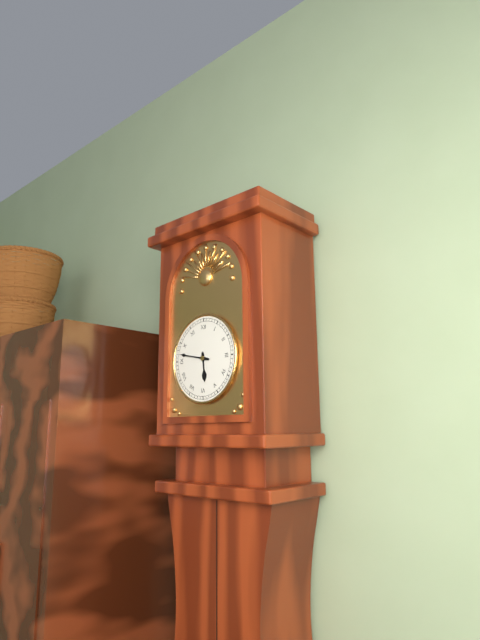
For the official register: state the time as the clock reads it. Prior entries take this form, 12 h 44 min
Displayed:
5 h 47 min
